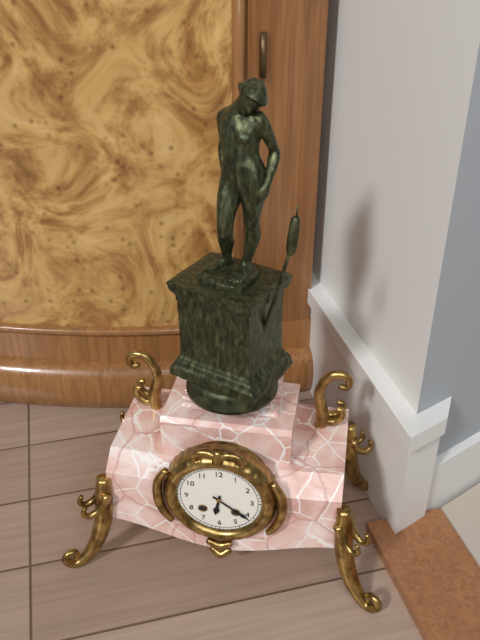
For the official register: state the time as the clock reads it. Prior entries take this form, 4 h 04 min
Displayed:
6 h 21 min
